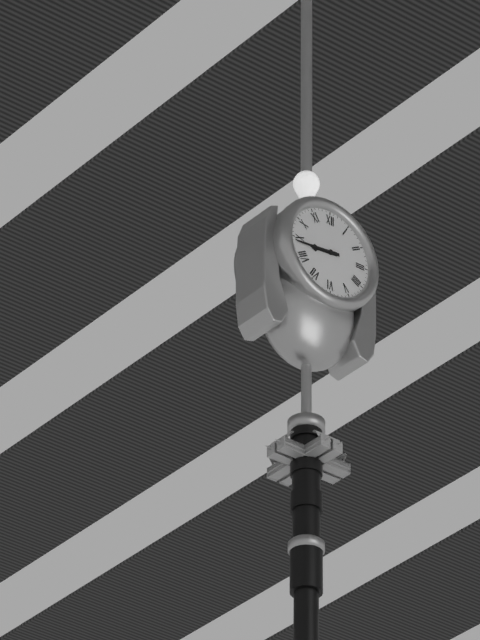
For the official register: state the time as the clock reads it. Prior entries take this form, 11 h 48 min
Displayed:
8 h 44 min
